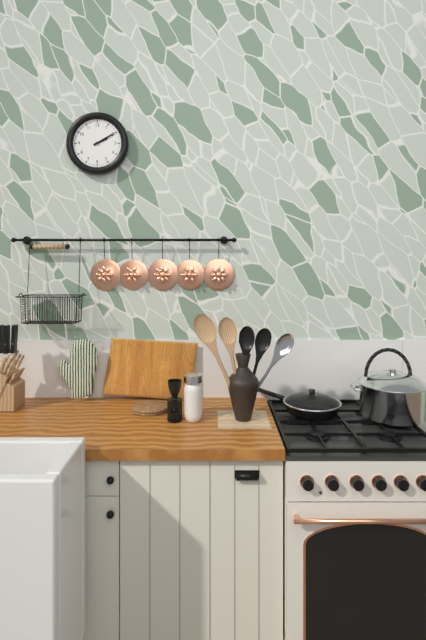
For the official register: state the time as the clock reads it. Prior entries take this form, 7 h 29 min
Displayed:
2 h 10 min
